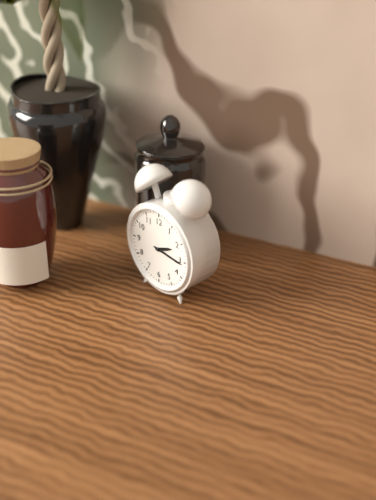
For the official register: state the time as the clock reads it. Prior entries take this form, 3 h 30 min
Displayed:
2 h 16 min
